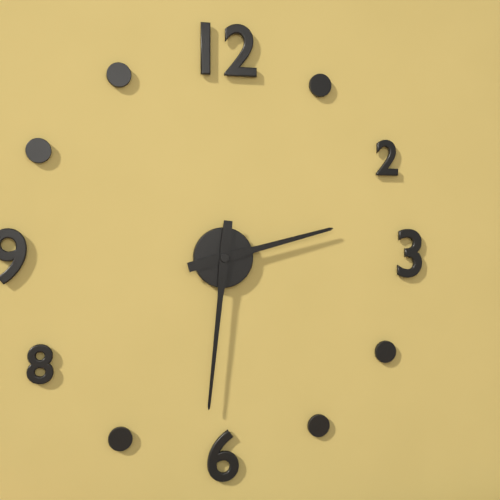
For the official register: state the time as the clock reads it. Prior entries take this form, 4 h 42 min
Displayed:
2 h 31 min
